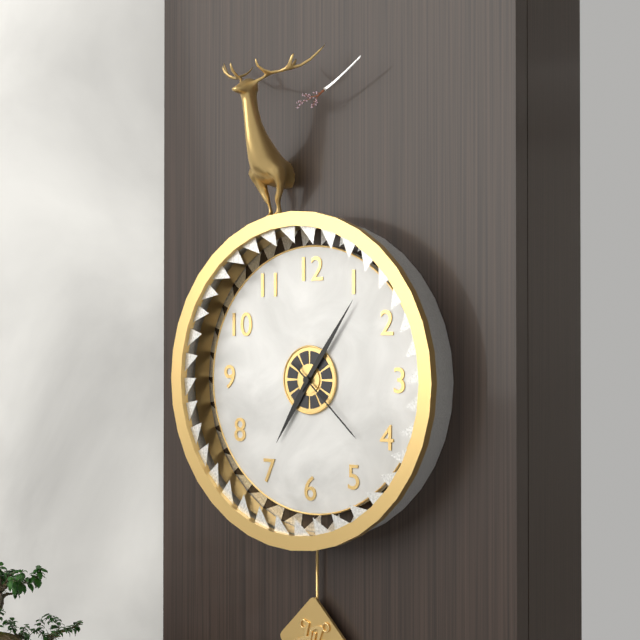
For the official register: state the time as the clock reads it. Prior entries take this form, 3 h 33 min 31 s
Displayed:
7 h 06 min 22 s
